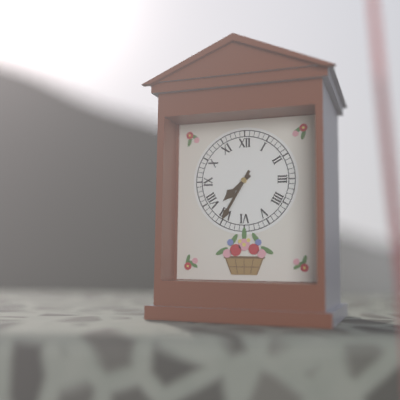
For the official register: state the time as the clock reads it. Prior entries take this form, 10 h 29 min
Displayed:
7 h 35 min
